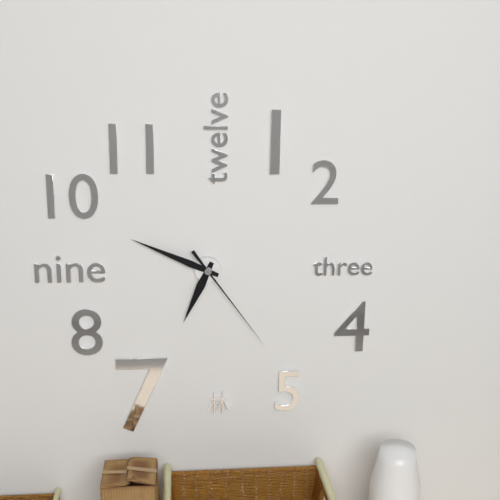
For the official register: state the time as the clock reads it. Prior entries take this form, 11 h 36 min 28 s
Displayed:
6 h 49 min 24 s
